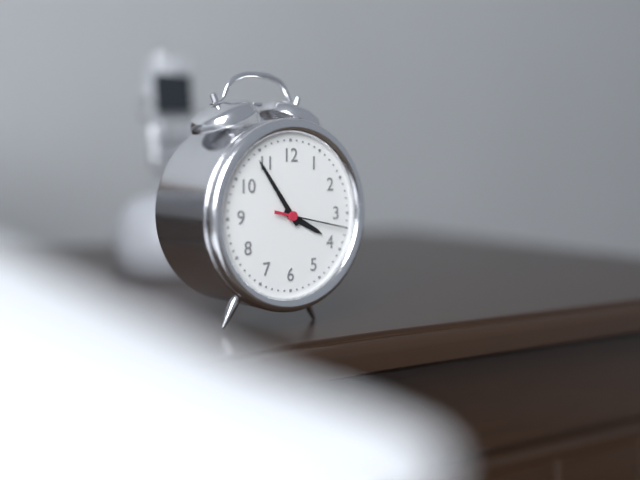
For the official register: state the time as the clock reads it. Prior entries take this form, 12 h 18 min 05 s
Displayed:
3 h 54 min 17 s
